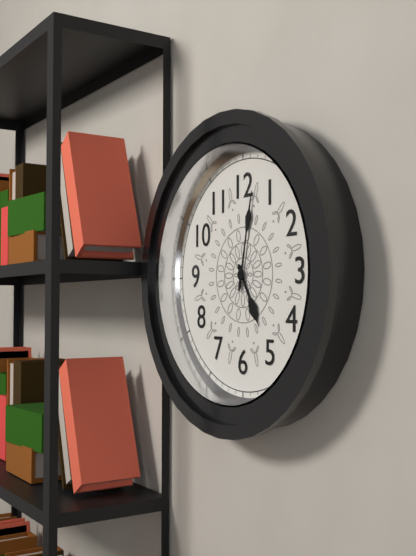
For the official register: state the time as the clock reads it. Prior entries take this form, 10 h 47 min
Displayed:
5 h 02 min
